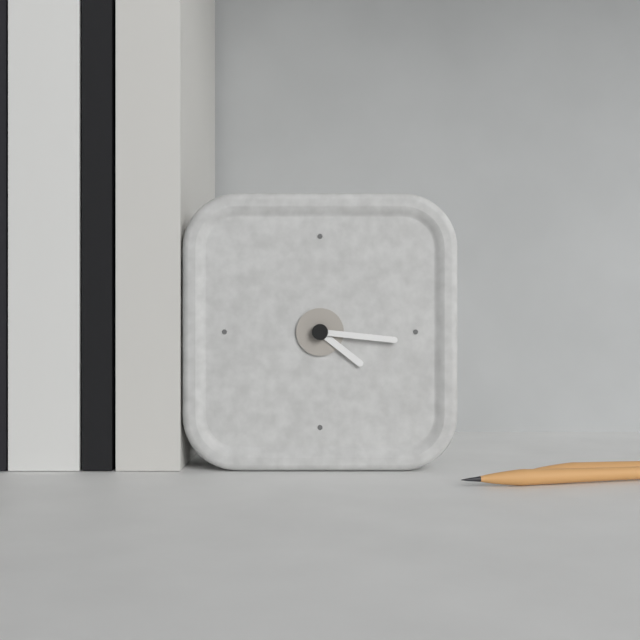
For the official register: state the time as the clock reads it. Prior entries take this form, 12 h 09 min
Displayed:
4 h 16 min
